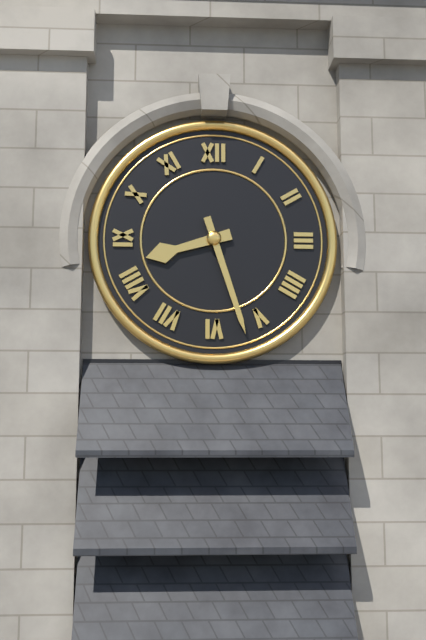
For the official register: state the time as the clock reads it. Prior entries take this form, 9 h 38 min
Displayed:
8 h 27 min
